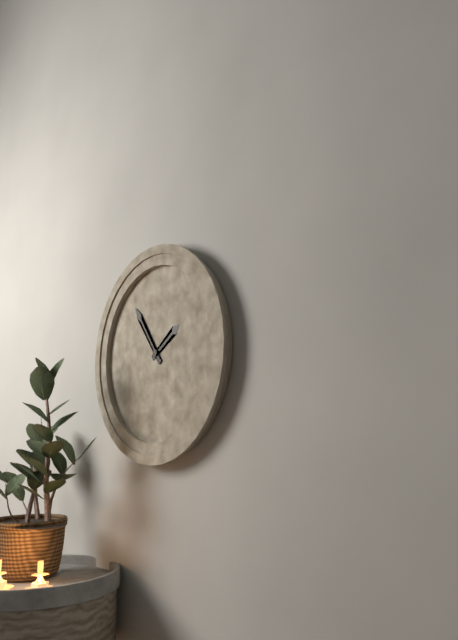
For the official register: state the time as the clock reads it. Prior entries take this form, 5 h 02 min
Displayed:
1 h 54 min
